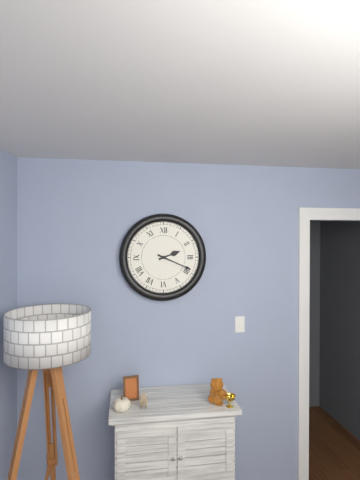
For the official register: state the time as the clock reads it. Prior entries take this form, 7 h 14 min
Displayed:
2 h 19 min
